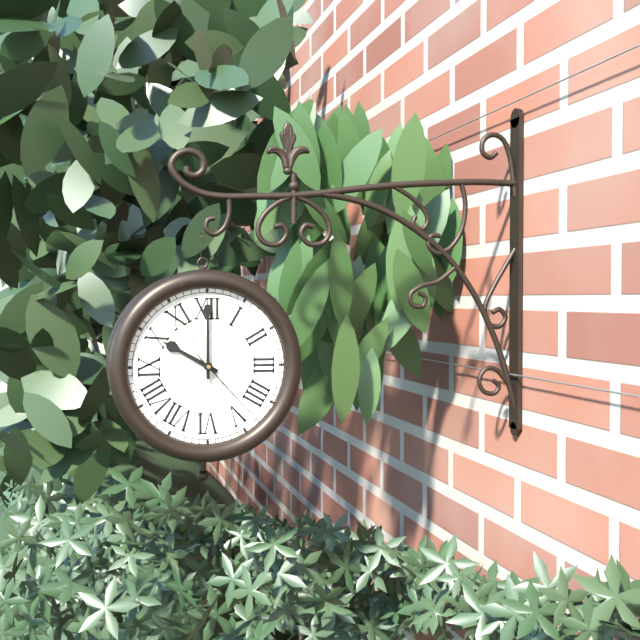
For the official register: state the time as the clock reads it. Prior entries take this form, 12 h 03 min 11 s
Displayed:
10 h 00 min 23 s
